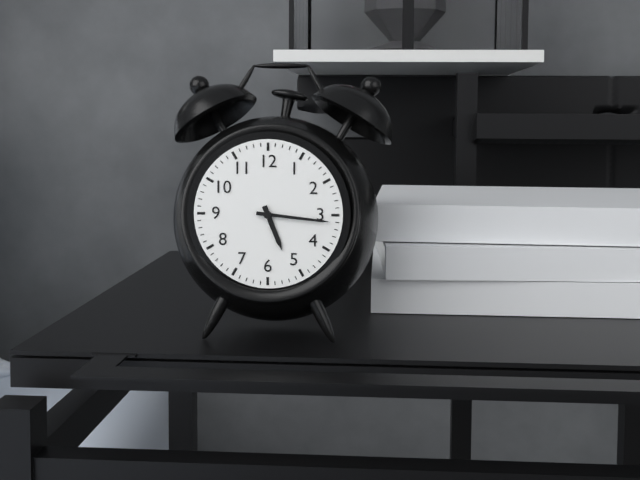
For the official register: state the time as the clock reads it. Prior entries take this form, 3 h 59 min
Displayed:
5 h 16 min
